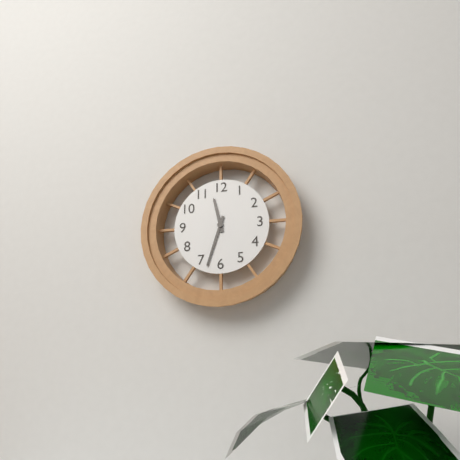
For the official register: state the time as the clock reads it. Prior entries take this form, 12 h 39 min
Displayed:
11 h 33 min
